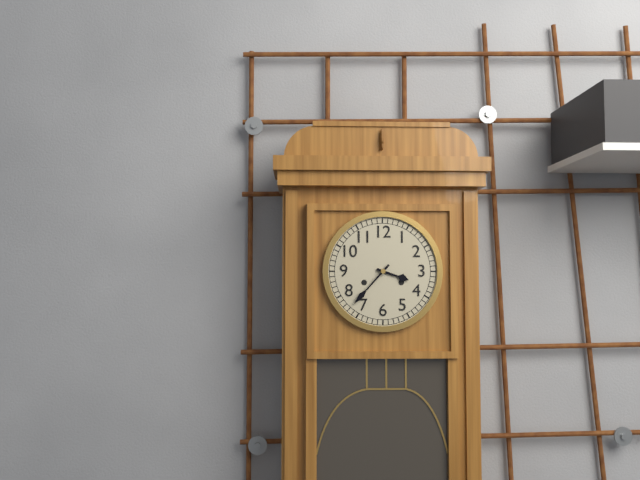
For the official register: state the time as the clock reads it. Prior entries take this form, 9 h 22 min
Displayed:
3 h 37 min
